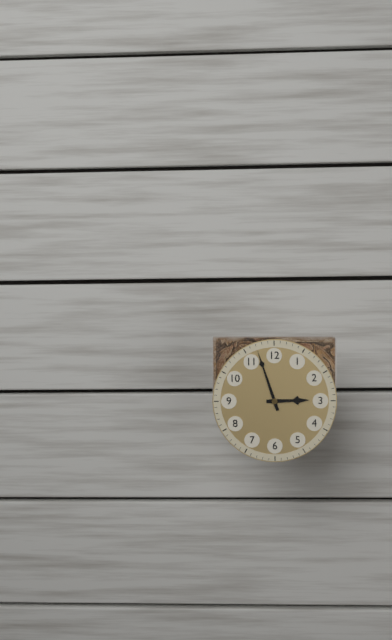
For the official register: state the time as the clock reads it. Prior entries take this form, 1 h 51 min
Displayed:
2 h 57 min
